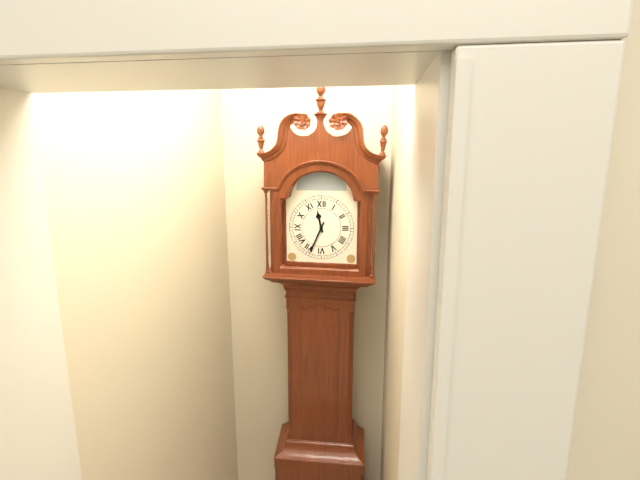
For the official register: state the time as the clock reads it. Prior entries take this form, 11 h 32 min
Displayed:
11 h 34 min
